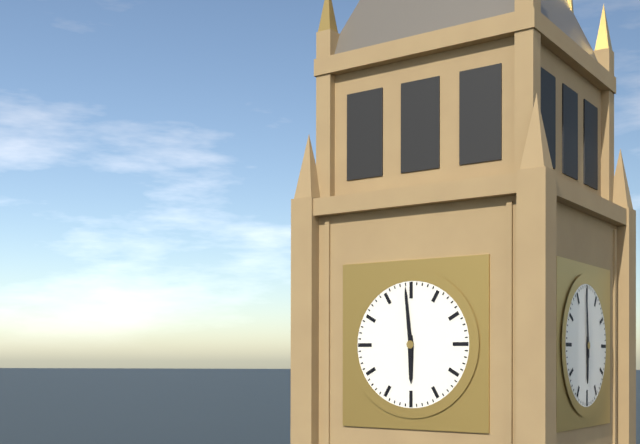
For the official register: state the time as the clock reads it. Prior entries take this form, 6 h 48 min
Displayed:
5 h 59 min
